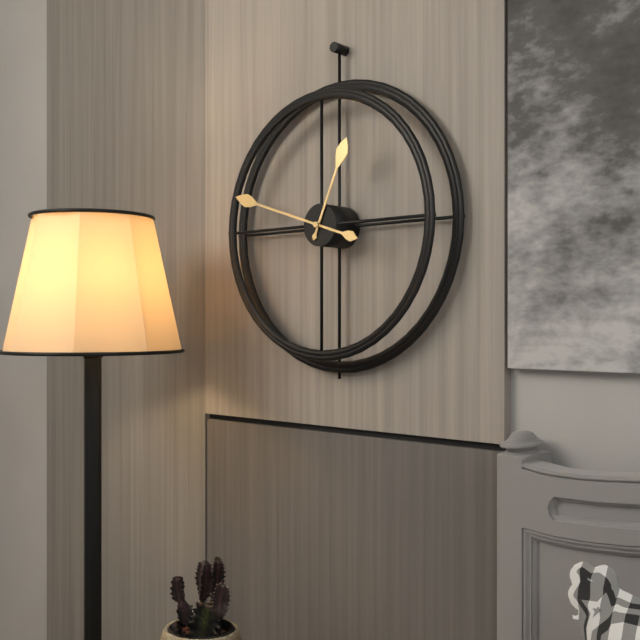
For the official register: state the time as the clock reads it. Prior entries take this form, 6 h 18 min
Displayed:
12 h 48 min
